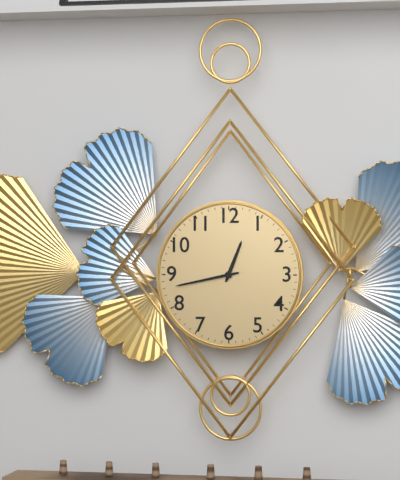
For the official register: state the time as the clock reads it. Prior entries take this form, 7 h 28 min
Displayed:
12 h 43 min
